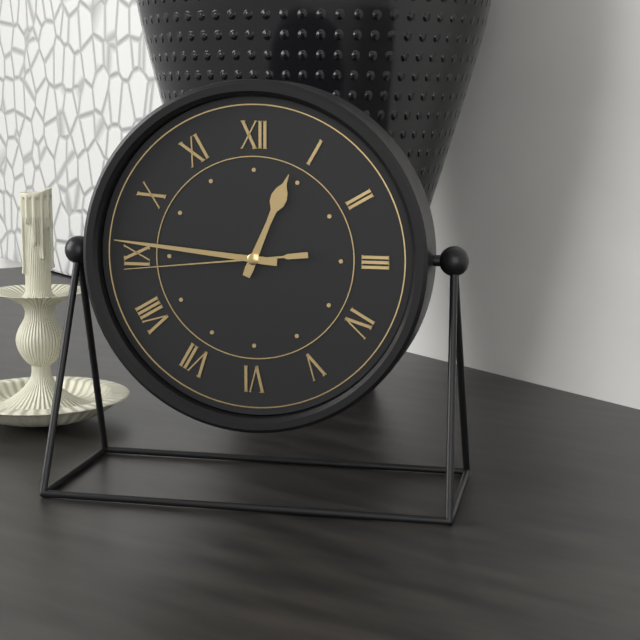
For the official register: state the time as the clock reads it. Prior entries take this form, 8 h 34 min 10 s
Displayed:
12 h 46 min 44 s
